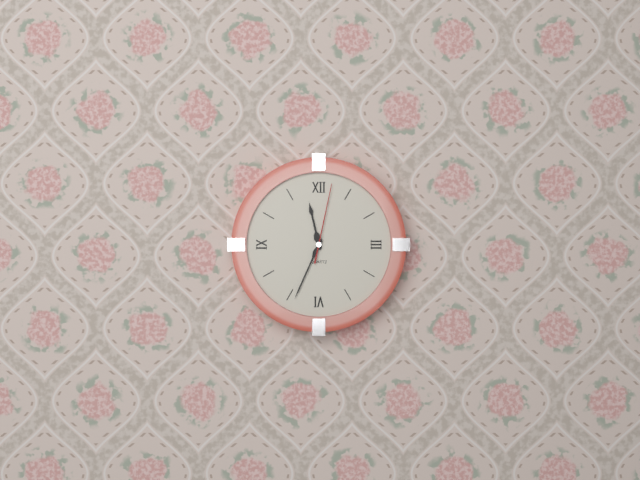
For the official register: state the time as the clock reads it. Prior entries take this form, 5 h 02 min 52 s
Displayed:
11 h 34 min 02 s
